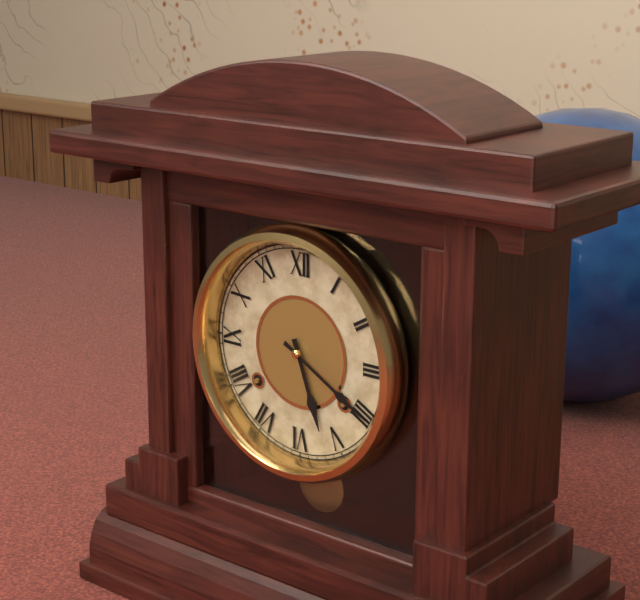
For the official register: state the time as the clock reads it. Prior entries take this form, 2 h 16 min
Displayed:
5 h 20 min
